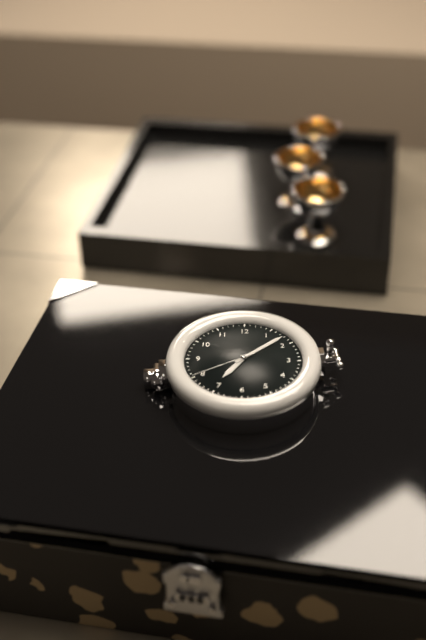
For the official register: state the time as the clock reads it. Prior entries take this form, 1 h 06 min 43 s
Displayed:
7 h 08 min 40 s
